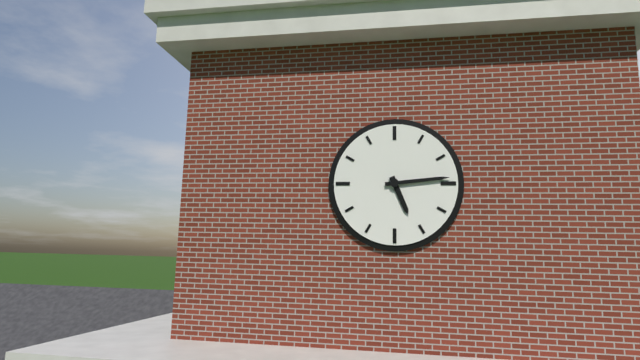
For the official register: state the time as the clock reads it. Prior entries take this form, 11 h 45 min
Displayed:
5 h 14 min
